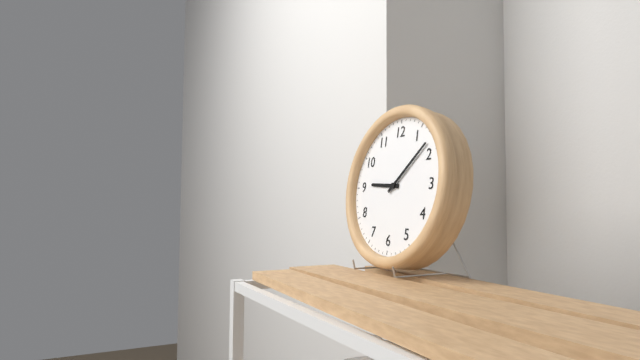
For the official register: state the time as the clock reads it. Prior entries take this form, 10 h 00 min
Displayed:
9 h 08 min
